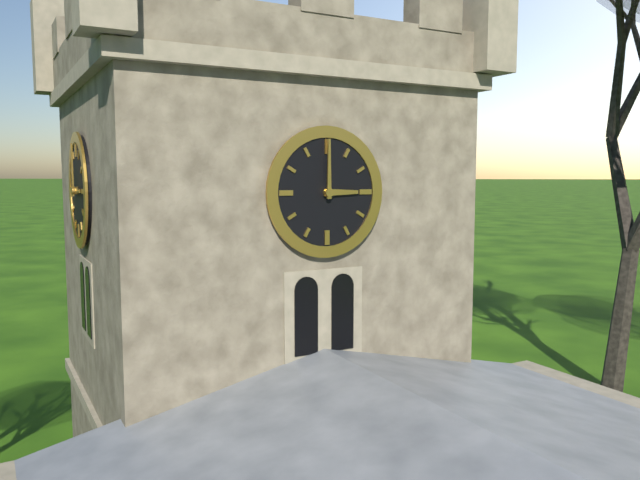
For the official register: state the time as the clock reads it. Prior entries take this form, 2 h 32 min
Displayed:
3 h 00 min
